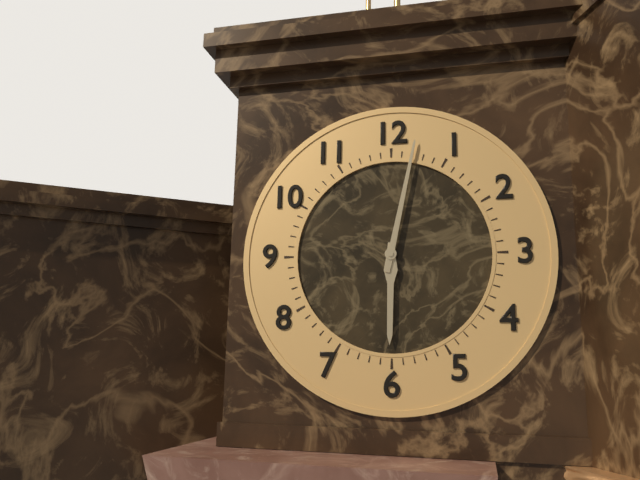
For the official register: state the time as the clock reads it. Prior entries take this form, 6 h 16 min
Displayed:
6 h 02 min
